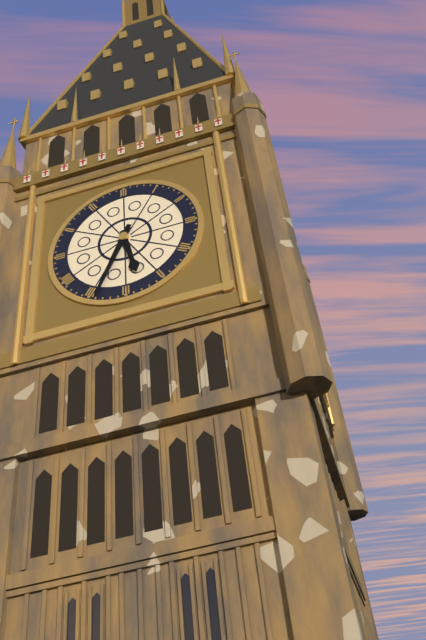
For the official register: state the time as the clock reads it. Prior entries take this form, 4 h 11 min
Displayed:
5 h 34 min
